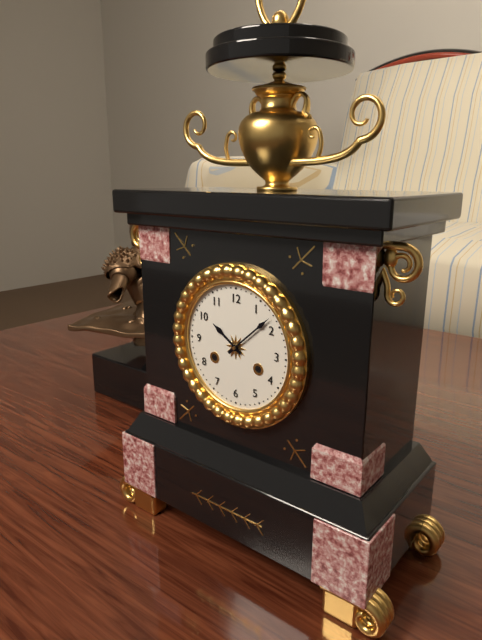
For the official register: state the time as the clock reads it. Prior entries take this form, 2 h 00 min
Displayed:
10 h 08 min
